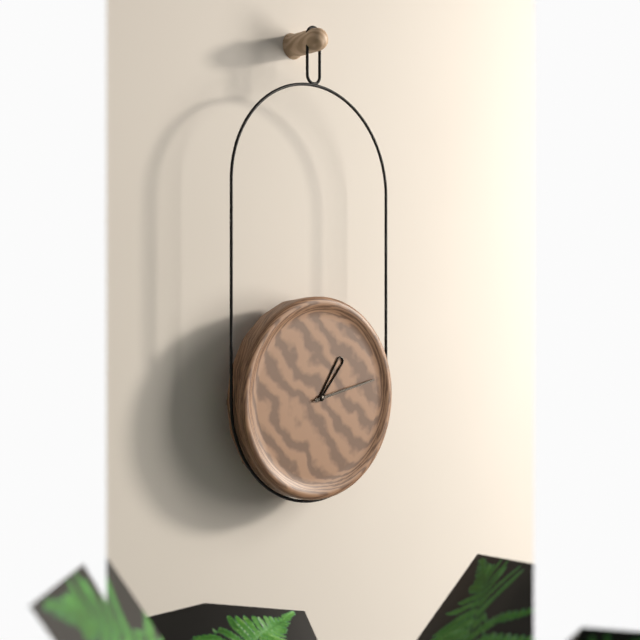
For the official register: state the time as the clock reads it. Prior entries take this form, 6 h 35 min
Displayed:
1 h 13 min
